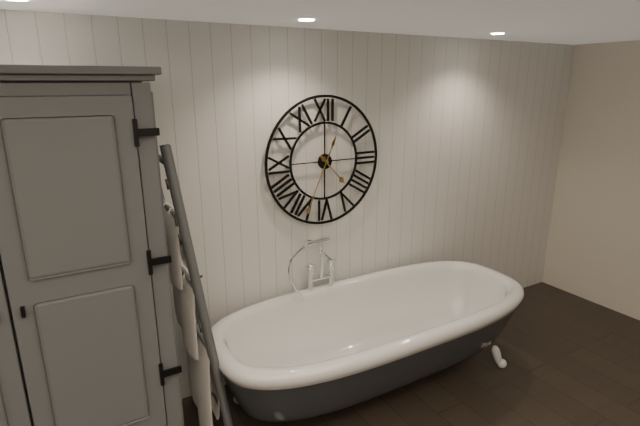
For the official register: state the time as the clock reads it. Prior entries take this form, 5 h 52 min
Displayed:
4 h 34 min
